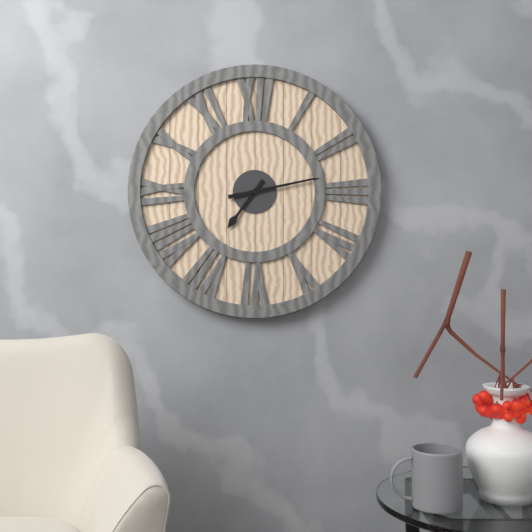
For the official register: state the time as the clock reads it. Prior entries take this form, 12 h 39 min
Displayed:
7 h 13 min
